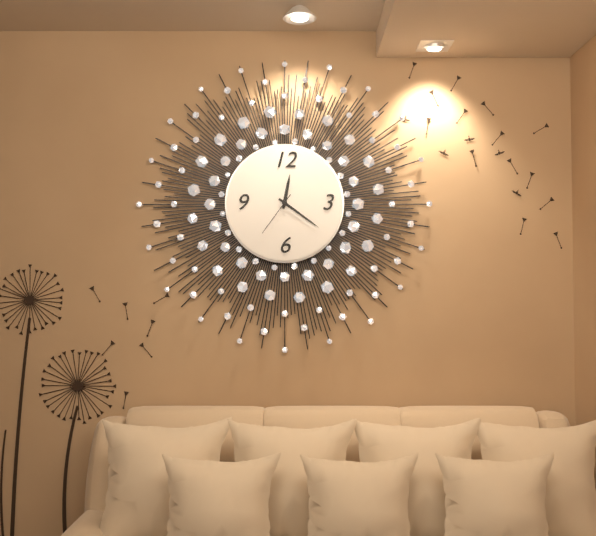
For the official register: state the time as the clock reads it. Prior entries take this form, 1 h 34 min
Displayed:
12 h 21 min
